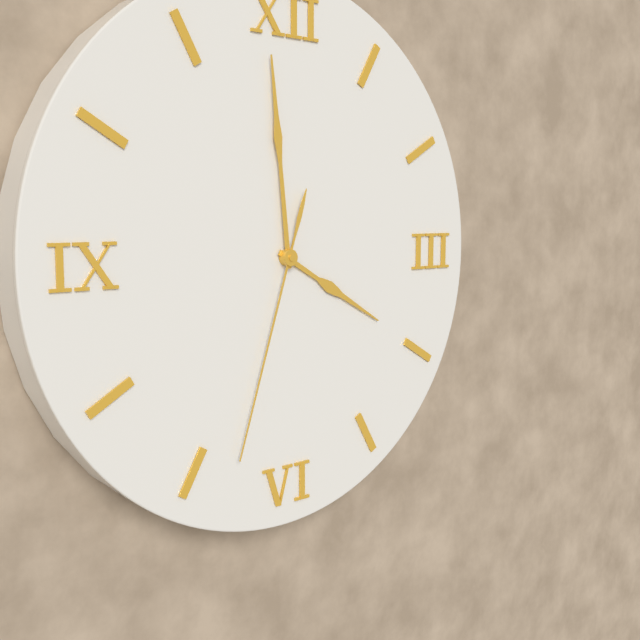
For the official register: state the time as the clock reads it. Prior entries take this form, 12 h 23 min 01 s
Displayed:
3 h 59 min 33 s
